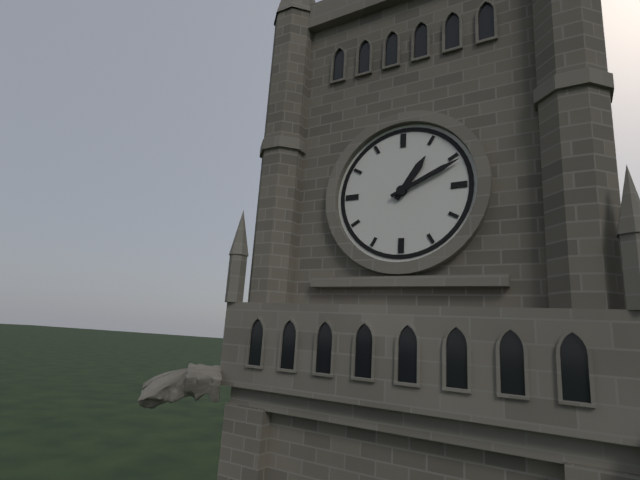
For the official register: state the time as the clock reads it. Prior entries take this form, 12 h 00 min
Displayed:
1 h 11 min
